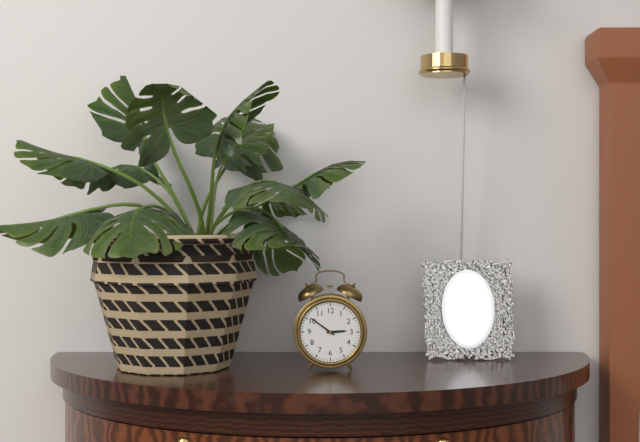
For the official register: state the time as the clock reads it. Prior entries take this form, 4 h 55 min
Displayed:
2 h 51 min
